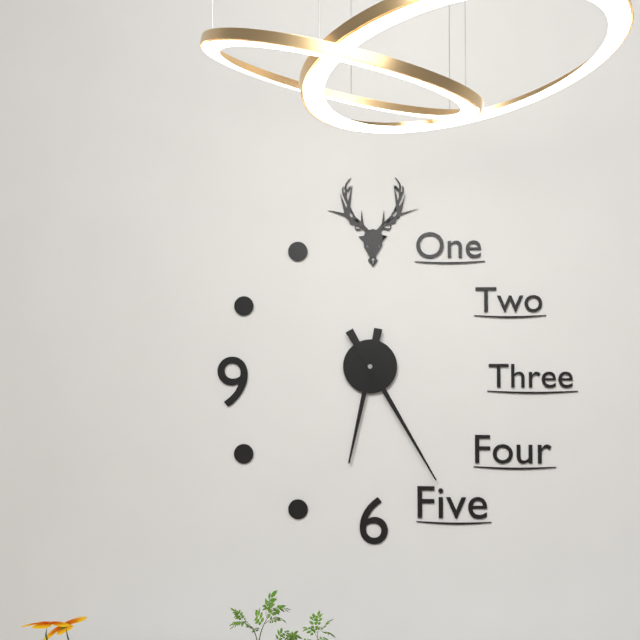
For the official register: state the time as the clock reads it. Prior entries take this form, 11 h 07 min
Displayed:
6 h 25 min
